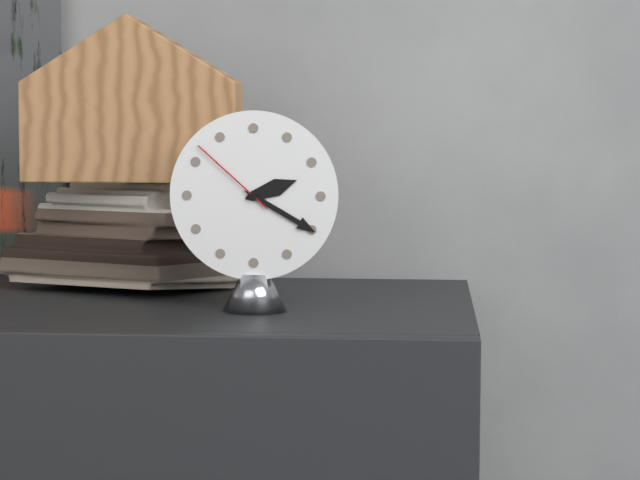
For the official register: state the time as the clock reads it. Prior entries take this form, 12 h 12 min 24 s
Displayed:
2 h 20 min 52 s
